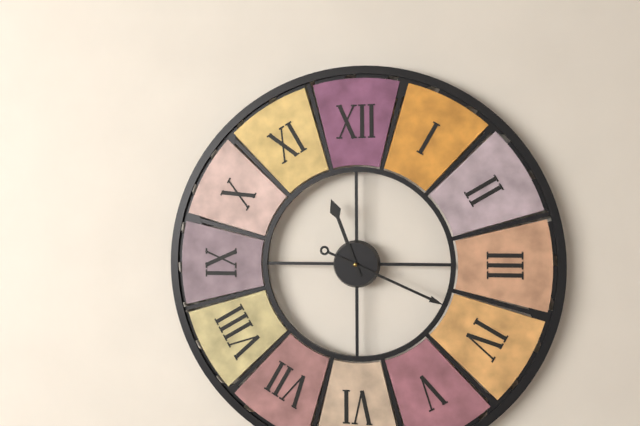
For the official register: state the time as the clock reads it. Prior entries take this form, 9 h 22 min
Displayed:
11 h 19 min
